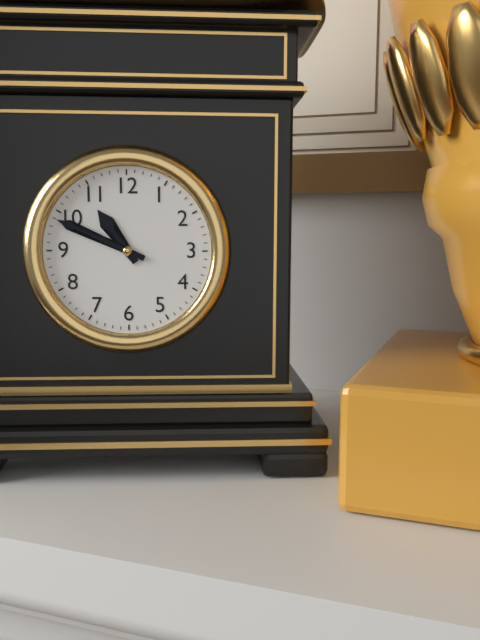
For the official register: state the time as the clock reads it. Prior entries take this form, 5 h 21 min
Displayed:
10 h 49 min
